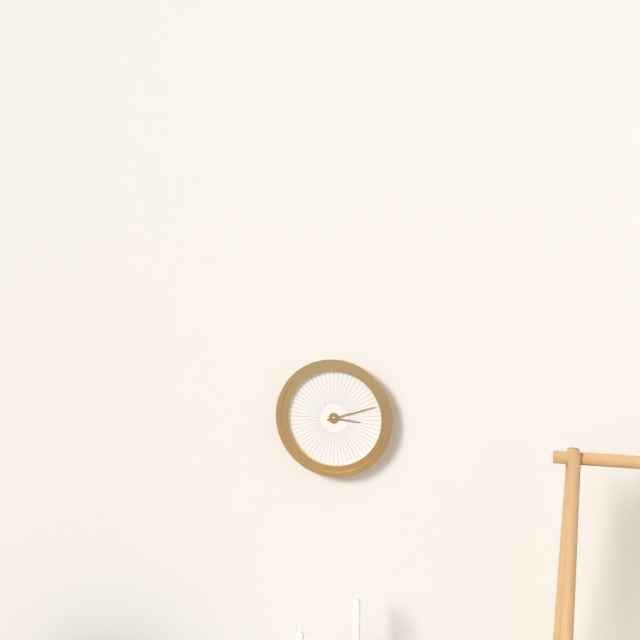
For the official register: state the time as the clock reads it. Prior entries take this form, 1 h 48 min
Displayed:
3 h 12 min
